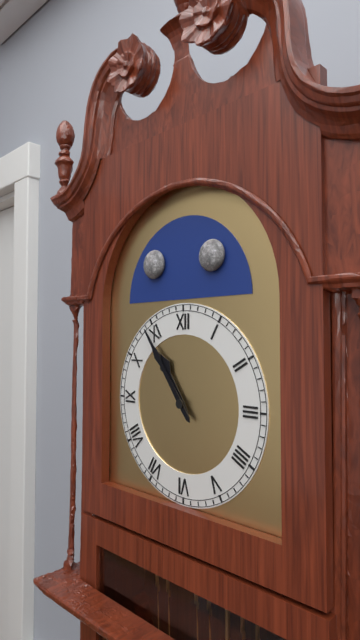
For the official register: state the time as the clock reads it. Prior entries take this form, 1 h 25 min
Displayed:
10 h 54 min
